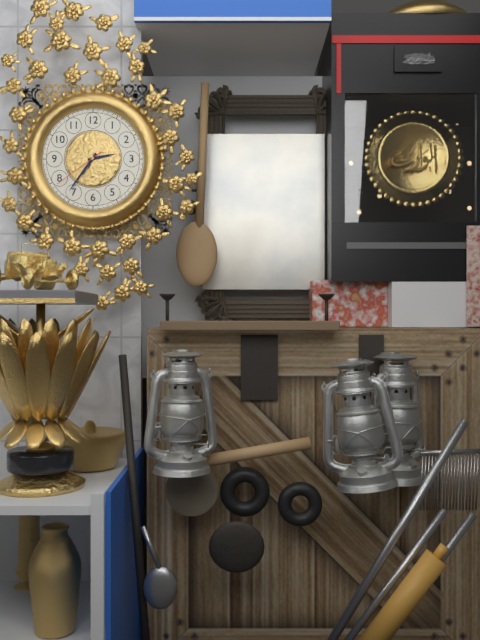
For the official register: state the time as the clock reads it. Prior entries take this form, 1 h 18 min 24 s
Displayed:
2 h 36 min 39 s
